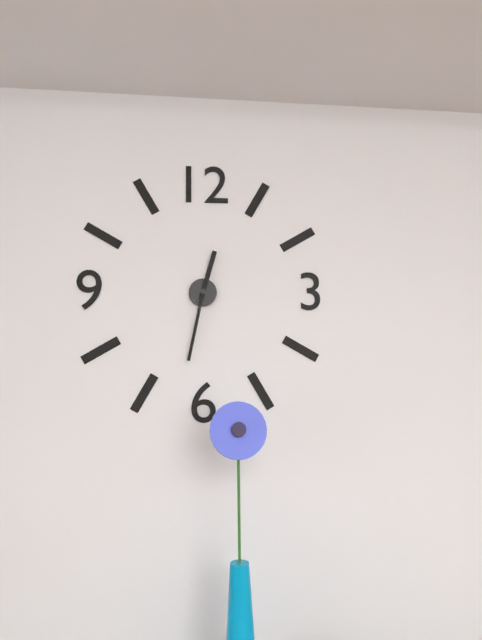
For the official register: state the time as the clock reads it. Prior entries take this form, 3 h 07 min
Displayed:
12 h 32 min
